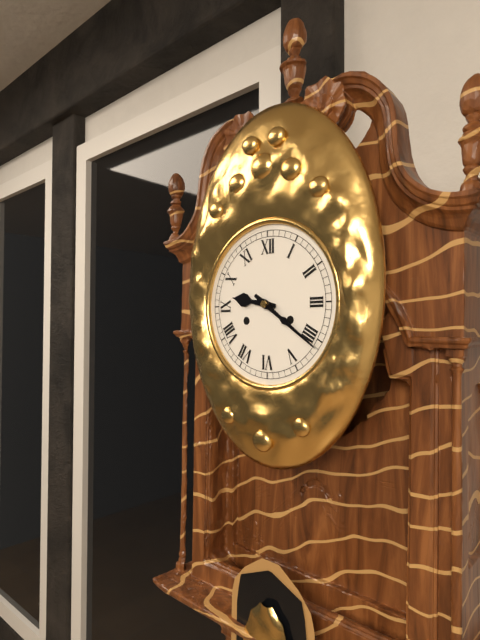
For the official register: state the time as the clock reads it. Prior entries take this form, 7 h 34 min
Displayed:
9 h 21 min
